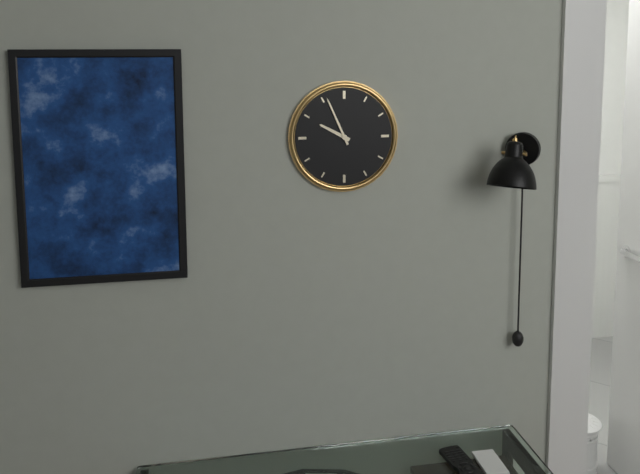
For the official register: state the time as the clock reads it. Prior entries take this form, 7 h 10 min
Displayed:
9 h 56 min
